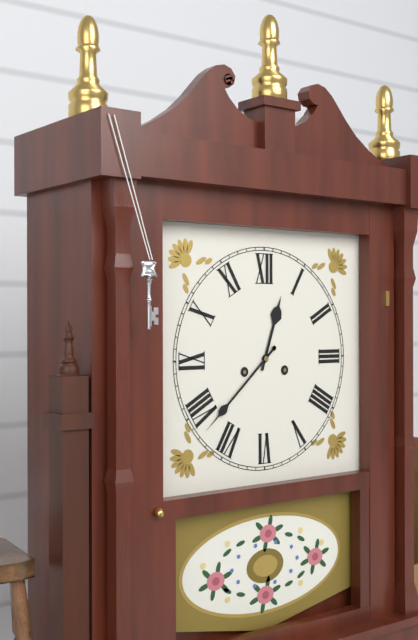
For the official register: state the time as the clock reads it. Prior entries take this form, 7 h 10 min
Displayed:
12 h 38 min
